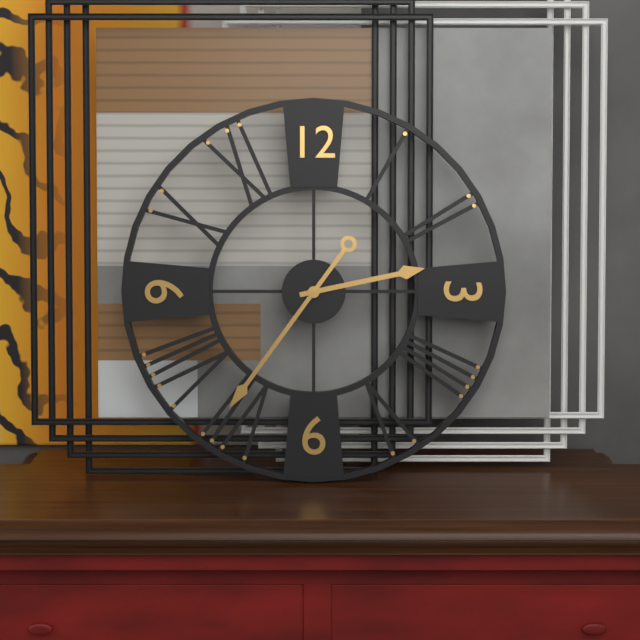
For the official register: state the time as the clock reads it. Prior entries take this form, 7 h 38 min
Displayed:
2 h 36 min
